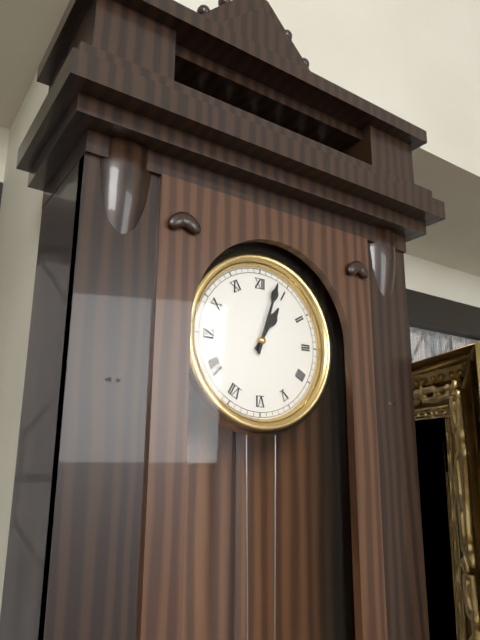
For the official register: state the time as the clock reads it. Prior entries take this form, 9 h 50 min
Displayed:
1 h 03 min
